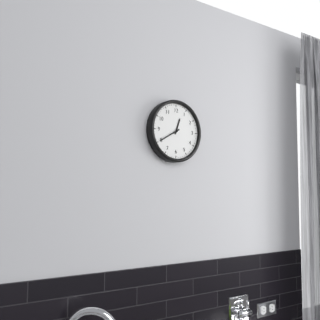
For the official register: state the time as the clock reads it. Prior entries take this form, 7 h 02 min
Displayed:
12 h 40 min
